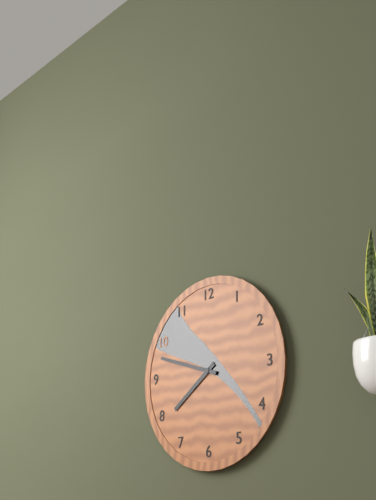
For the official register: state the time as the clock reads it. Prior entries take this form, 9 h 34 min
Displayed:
7 h 48 min
